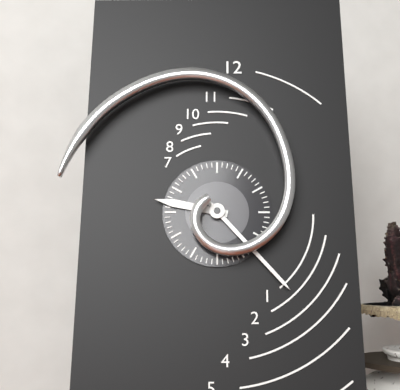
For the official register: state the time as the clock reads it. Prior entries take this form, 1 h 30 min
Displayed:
9 h 23 min
